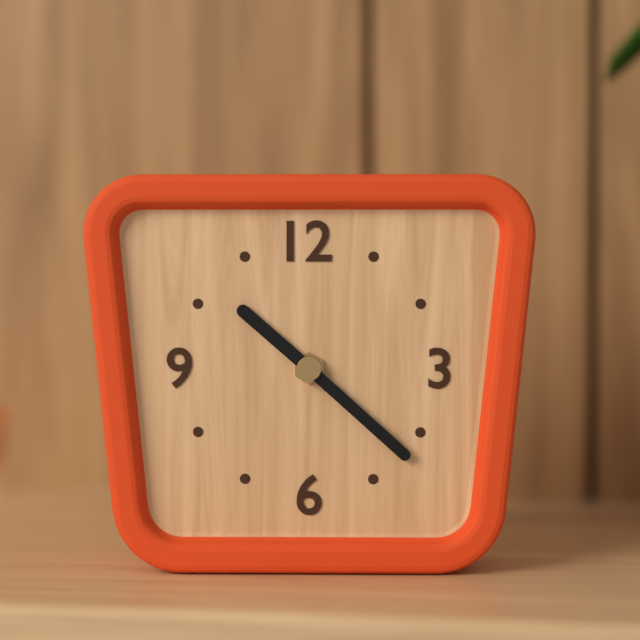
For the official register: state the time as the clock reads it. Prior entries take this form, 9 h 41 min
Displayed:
10 h 22 min
